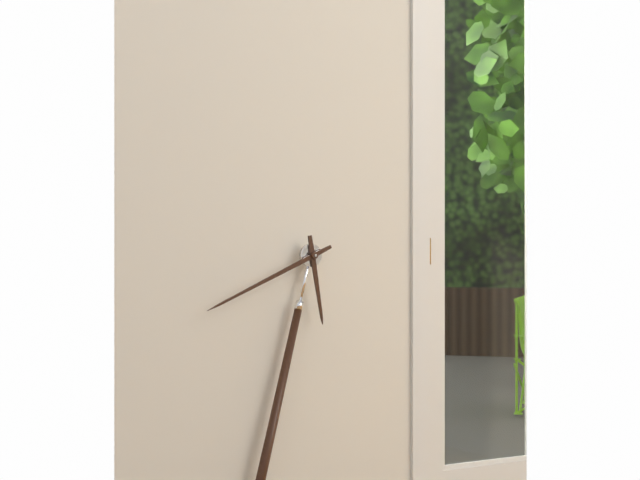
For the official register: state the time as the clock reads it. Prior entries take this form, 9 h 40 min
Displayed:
5 h 41 min
